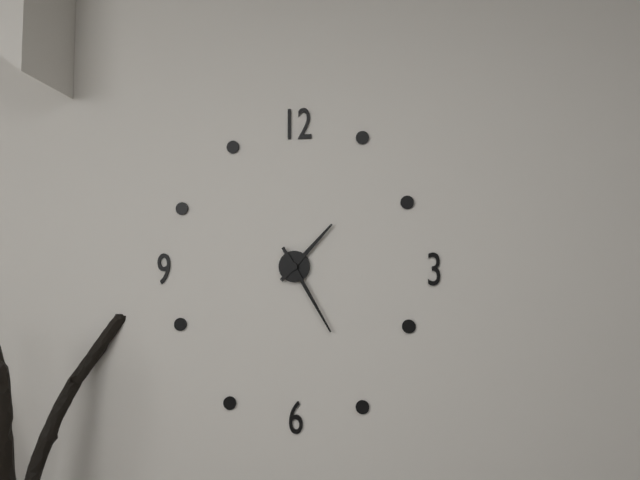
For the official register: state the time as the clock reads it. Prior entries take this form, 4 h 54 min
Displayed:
1 h 25 min
